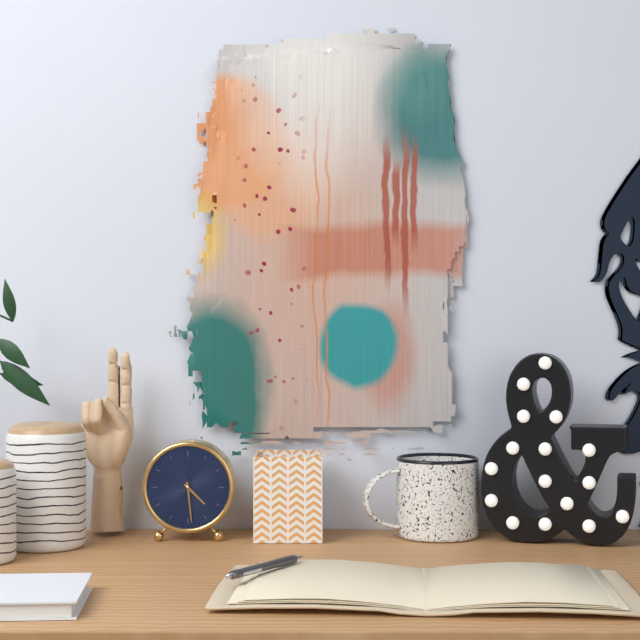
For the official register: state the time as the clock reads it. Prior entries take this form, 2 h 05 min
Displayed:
4 h 29 min
